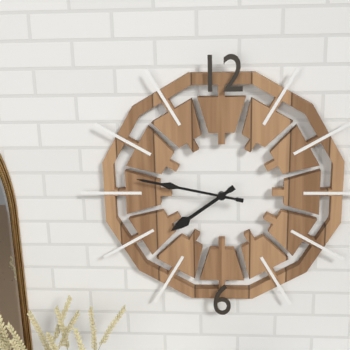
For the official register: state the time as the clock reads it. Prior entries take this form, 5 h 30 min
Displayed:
7 h 47 min
